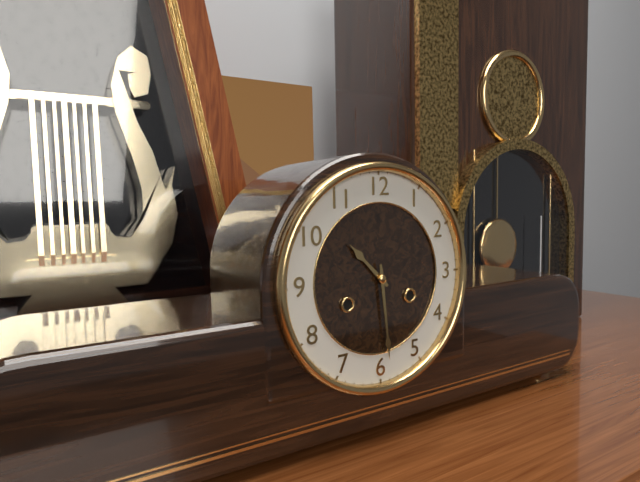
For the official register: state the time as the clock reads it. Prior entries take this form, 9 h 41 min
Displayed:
10 h 29 min
